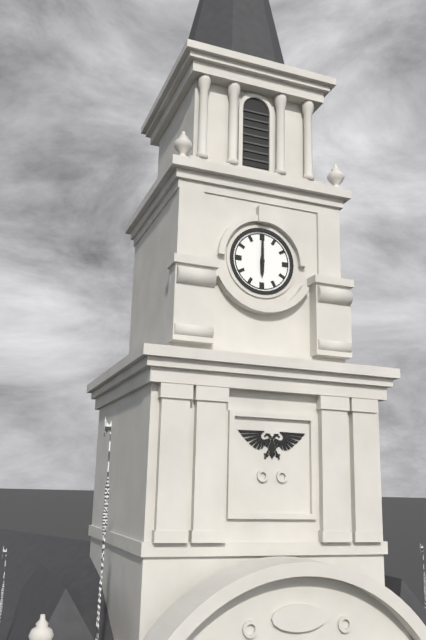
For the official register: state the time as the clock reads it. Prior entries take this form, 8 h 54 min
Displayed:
6 h 00 min
